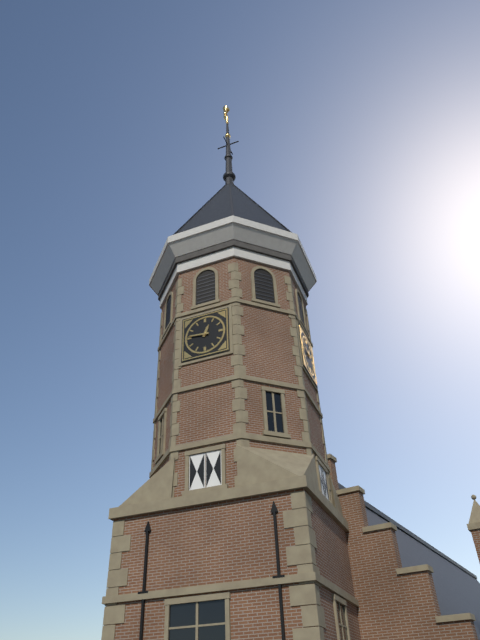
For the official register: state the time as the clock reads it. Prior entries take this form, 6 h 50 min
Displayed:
12 h 46 min
